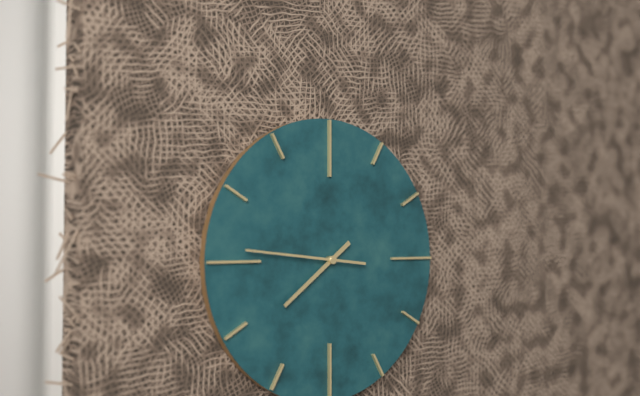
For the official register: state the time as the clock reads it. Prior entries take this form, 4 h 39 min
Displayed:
7 h 46 min
